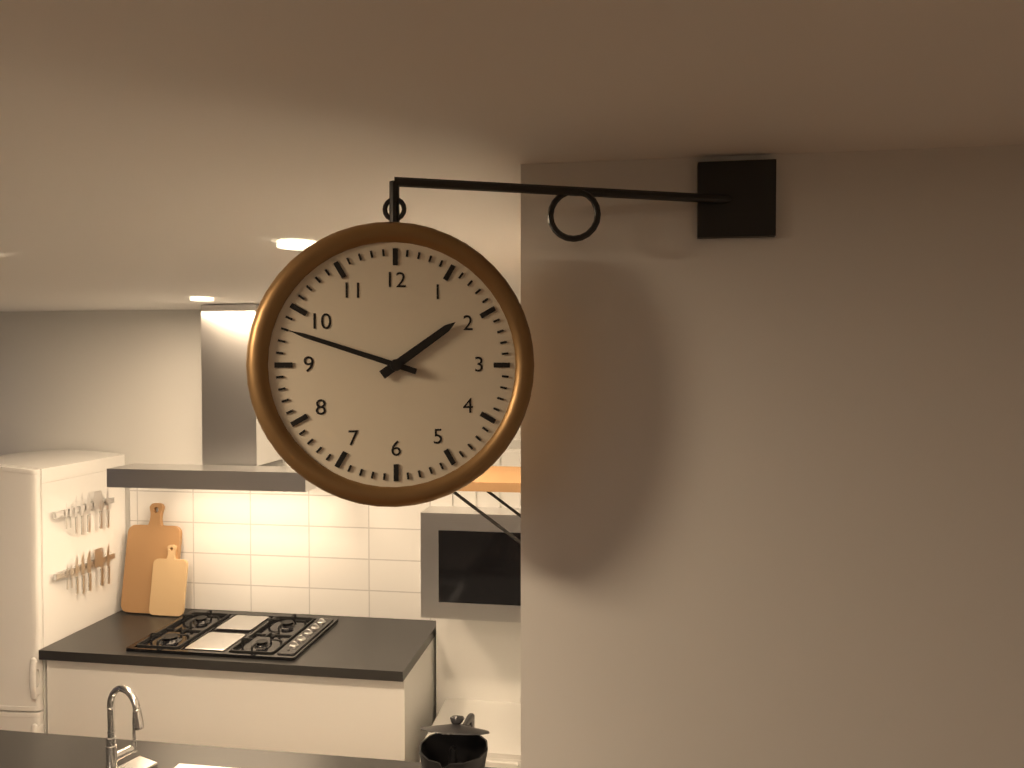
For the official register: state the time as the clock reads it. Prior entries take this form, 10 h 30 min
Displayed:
1 h 48 min
